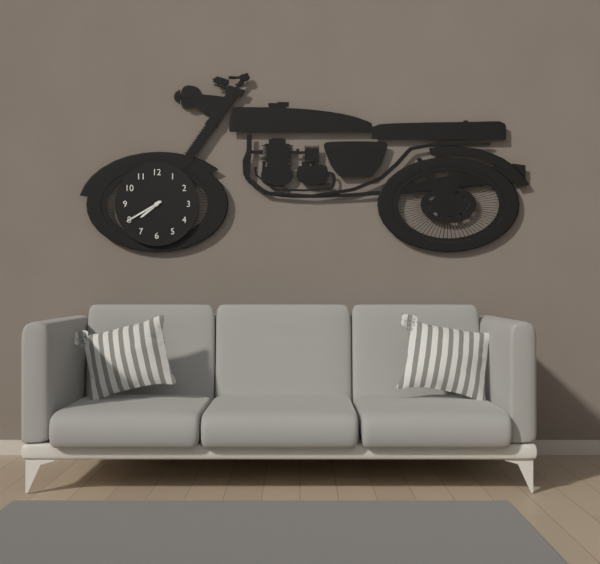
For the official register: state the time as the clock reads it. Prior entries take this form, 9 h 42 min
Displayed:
7 h 40 min
